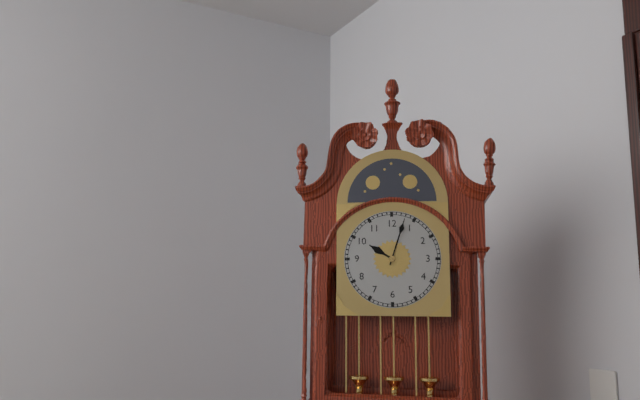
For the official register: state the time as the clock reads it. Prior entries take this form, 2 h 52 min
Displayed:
10 h 03 min
